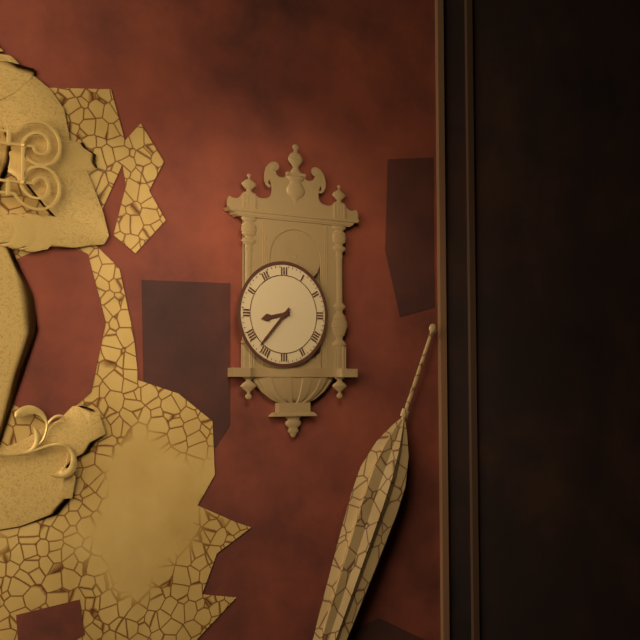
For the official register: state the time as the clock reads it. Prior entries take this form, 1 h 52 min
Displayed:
8 h 37 min
